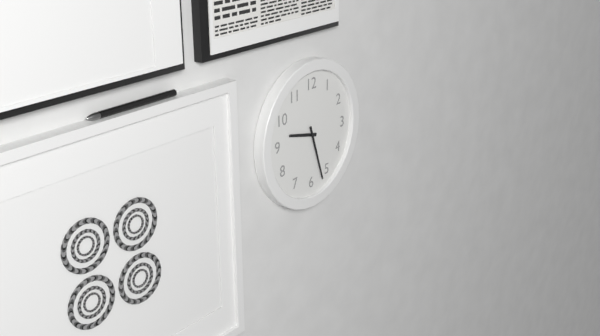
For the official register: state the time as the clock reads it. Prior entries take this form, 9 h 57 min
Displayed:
9 h 27 min
